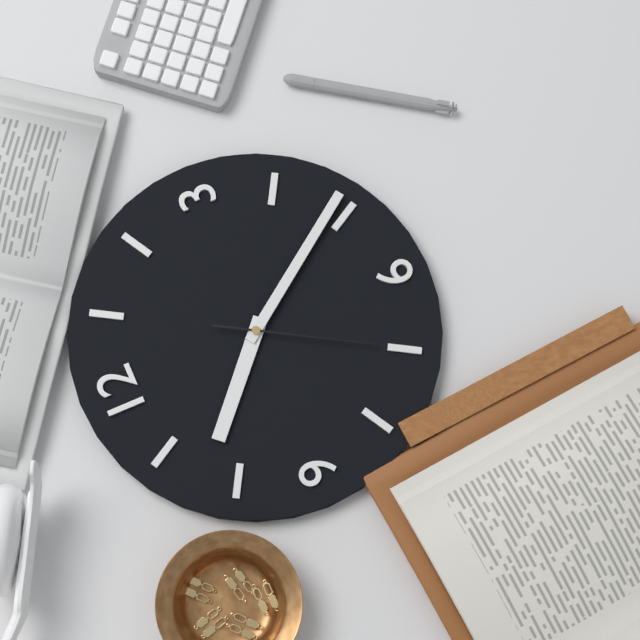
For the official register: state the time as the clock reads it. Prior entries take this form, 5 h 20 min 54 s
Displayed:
10 h 24 min 35 s
